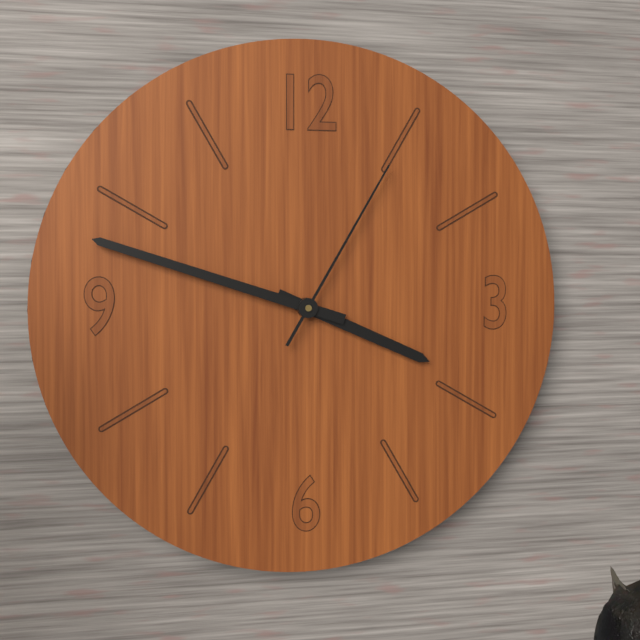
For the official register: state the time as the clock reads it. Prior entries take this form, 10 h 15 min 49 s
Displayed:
3 h 48 min 05 s
